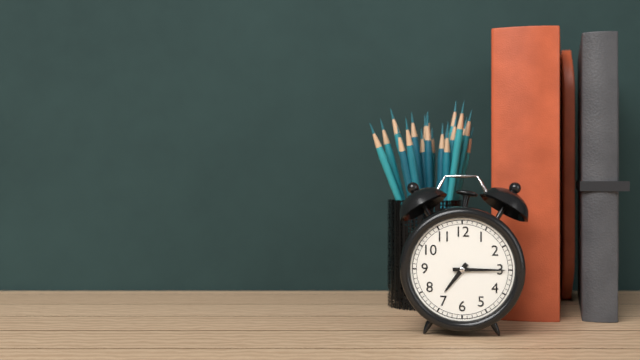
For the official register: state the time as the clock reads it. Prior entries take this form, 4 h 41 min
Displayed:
7 h 15 min
